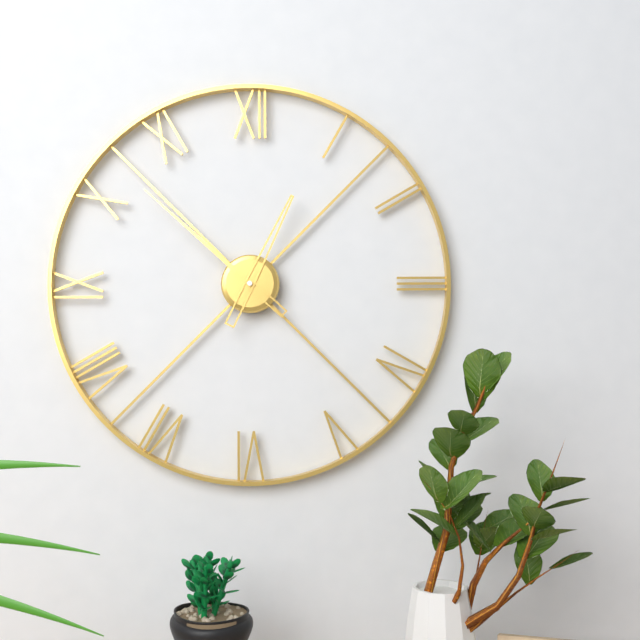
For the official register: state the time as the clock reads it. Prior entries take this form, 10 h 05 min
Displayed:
12 h 52 min
